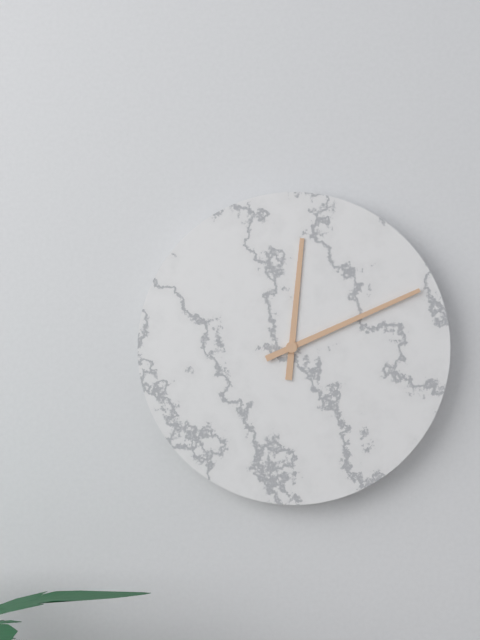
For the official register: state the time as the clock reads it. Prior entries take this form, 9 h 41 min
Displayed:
12 h 11 min
